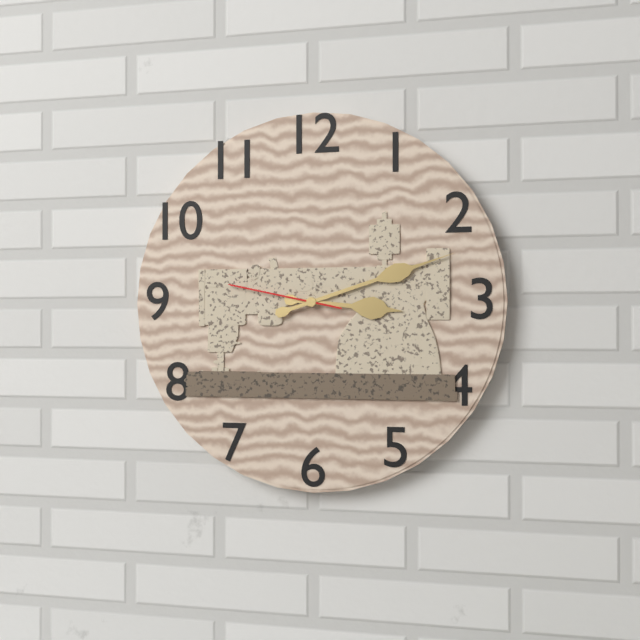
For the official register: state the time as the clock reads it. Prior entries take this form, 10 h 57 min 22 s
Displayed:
3 h 12 min 47 s
